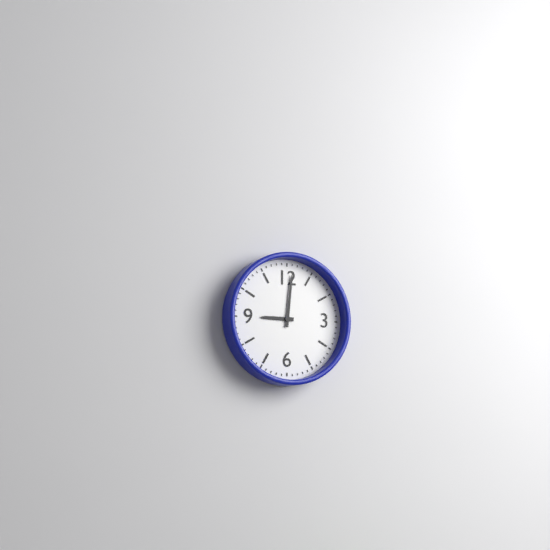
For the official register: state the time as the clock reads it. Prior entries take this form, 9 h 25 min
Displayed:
9 h 01 min
